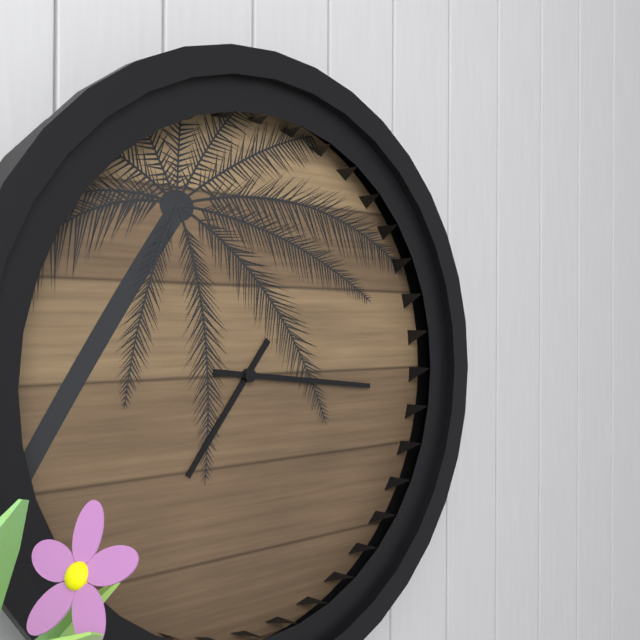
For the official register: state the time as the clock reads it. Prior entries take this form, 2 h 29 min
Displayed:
7 h 16 min
